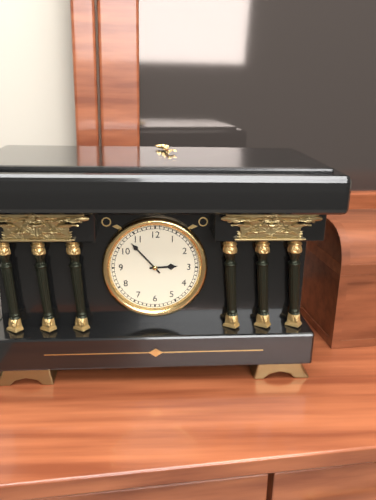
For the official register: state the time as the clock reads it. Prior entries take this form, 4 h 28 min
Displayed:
2 h 53 min
